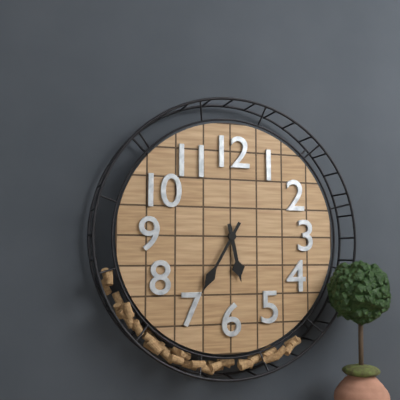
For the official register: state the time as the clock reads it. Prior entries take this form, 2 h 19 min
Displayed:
5 h 35 min
